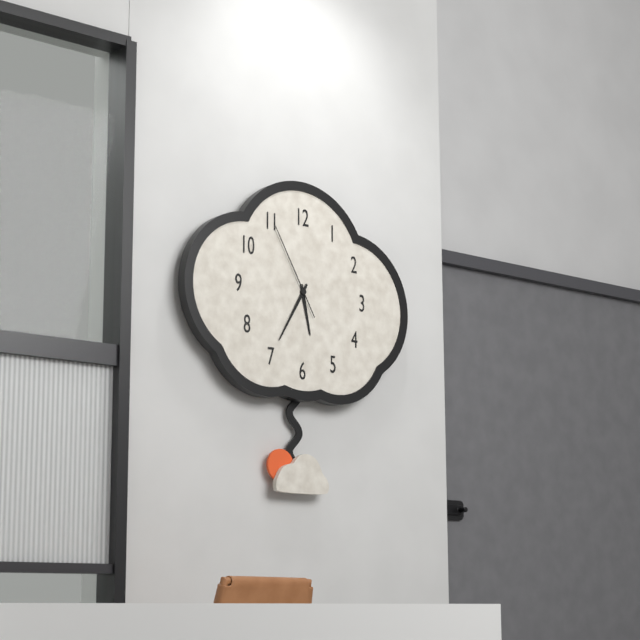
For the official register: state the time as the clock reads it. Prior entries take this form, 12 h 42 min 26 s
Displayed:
5 h 35 min 55 s
